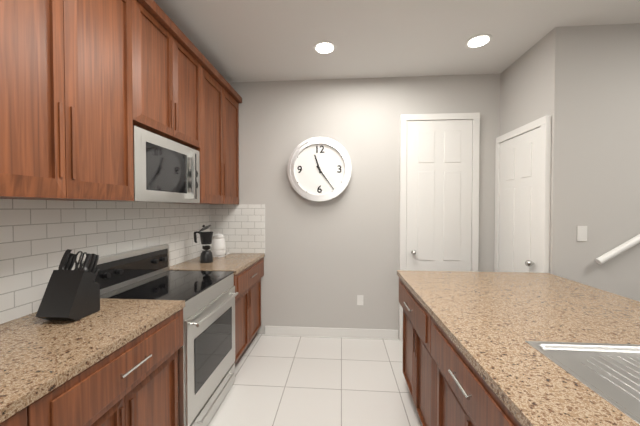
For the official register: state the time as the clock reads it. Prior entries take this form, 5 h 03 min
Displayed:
11 h 24 min
